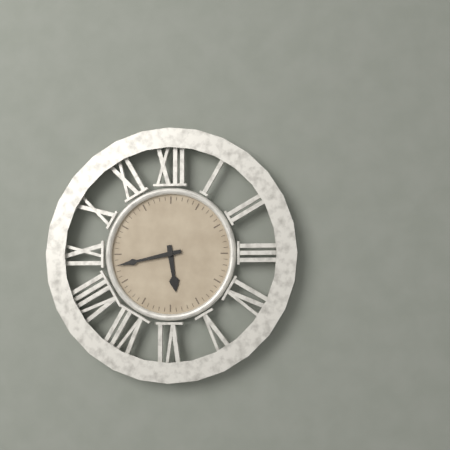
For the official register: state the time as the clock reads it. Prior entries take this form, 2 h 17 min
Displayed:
5 h 43 min
